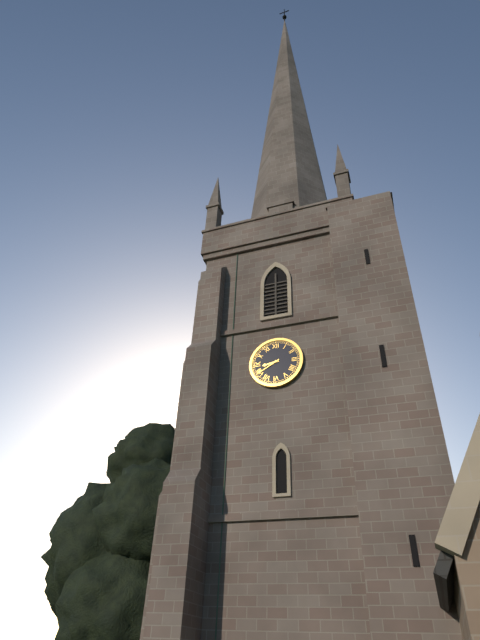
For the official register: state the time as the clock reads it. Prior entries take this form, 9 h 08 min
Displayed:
8 h 40 min
